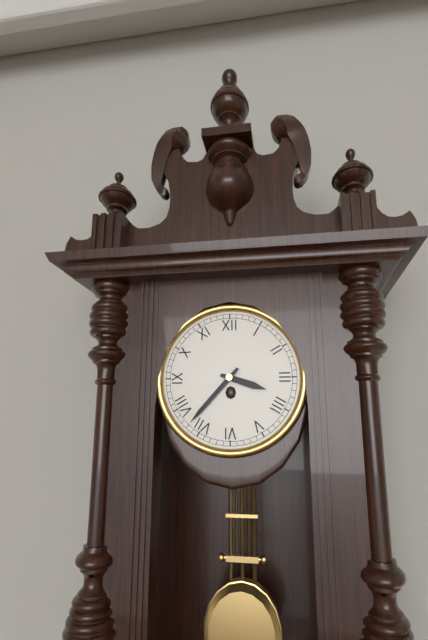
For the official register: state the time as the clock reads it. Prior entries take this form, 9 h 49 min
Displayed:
3 h 37 min
